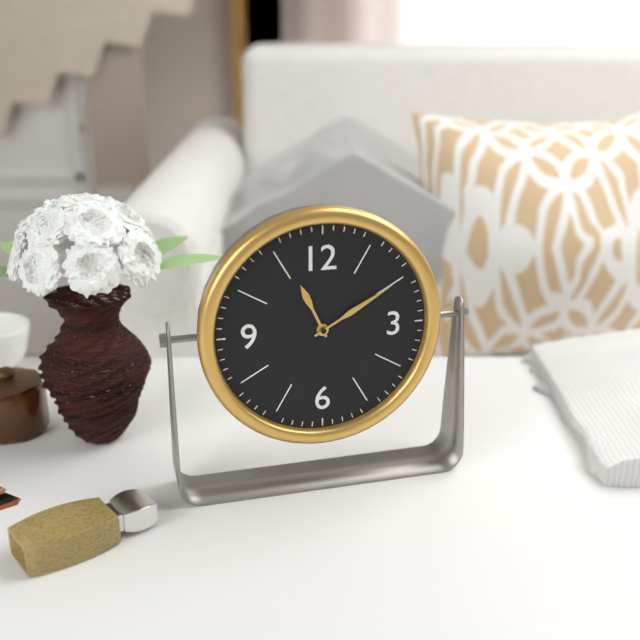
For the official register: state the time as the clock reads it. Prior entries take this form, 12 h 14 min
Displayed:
11 h 10 min
